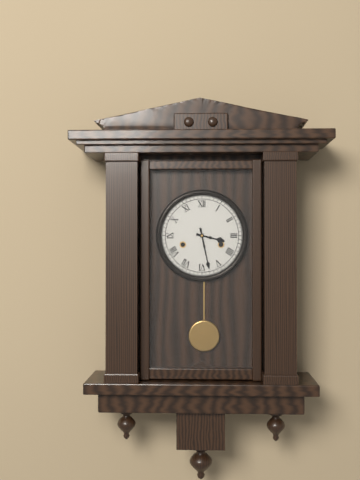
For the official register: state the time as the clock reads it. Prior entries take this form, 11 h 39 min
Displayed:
3 h 28 min
